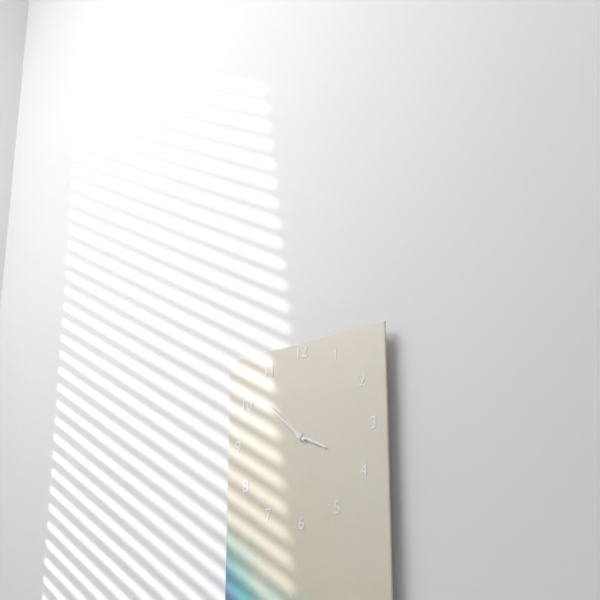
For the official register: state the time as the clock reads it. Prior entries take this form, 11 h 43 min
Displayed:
3 h 52 min
